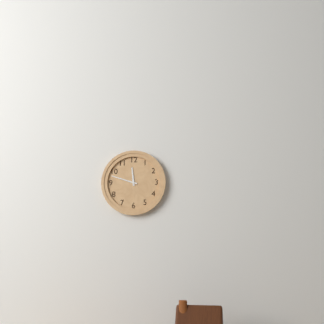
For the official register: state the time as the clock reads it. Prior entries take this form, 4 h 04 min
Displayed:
11 h 48 min
